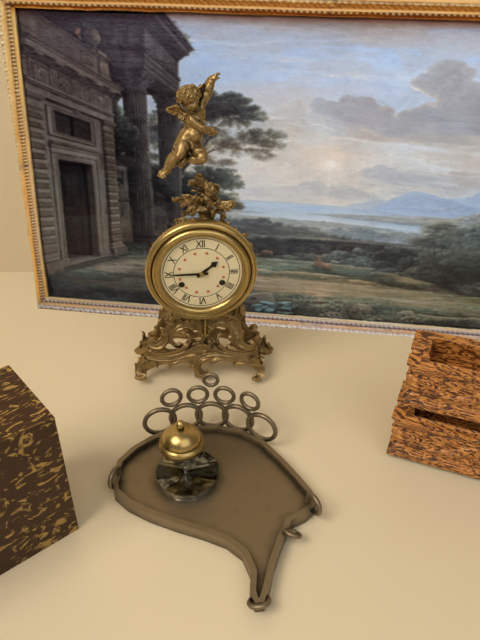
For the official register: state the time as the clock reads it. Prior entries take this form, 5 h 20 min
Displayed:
1 h 45 min
